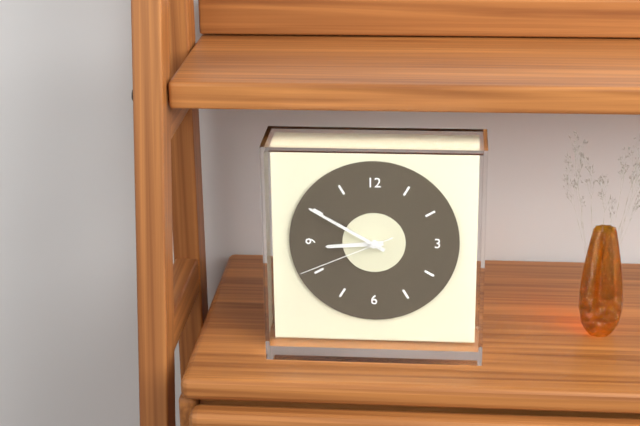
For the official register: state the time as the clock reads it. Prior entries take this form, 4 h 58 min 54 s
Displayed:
8 h 50 min 41 s
